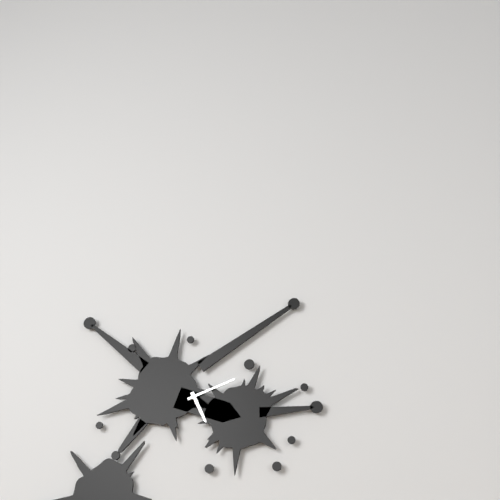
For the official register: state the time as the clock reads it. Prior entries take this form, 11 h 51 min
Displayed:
5 h 12 min
